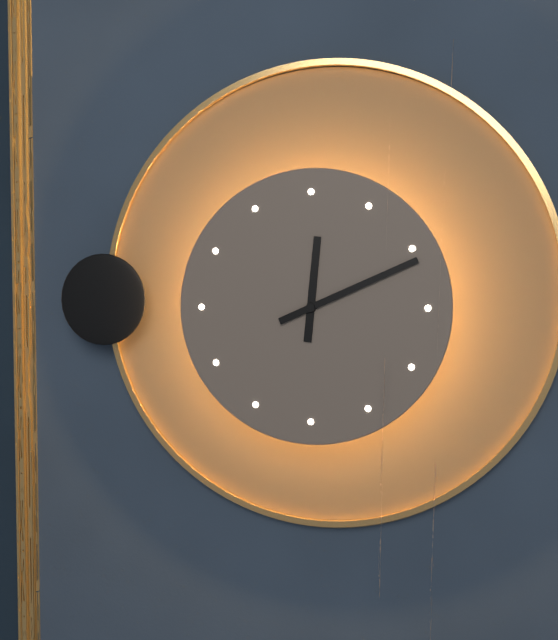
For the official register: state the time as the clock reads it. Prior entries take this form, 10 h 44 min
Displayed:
12 h 11 min
